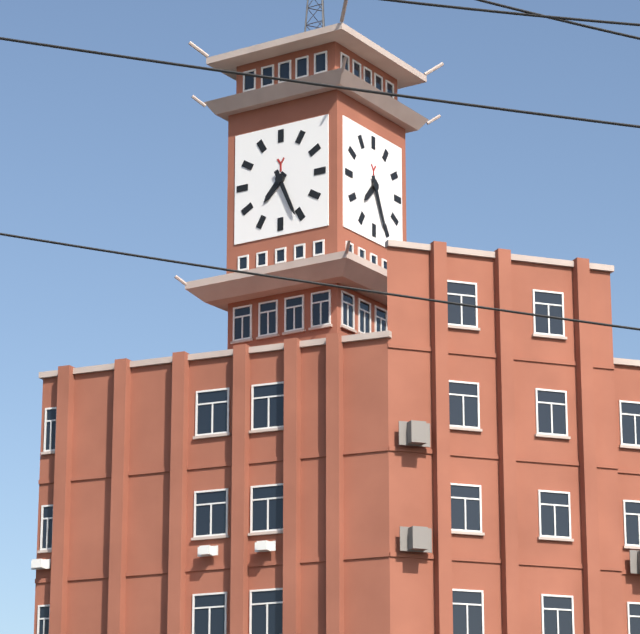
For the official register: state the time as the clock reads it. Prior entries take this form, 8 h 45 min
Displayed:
7 h 26 min
